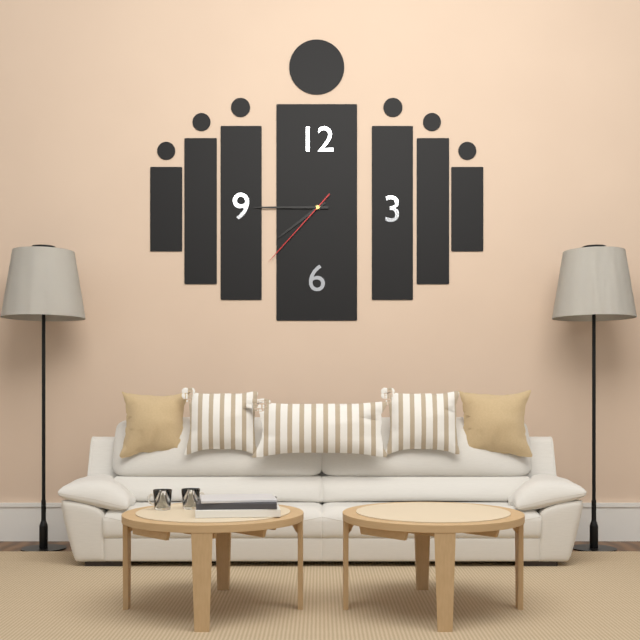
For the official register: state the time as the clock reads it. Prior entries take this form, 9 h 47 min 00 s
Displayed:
7 h 45 min 37 s
